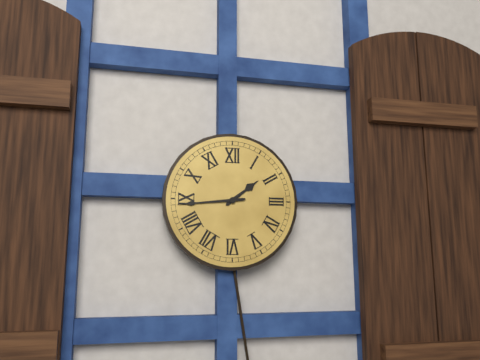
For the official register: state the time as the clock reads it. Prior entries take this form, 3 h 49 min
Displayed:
1 h 44 min
